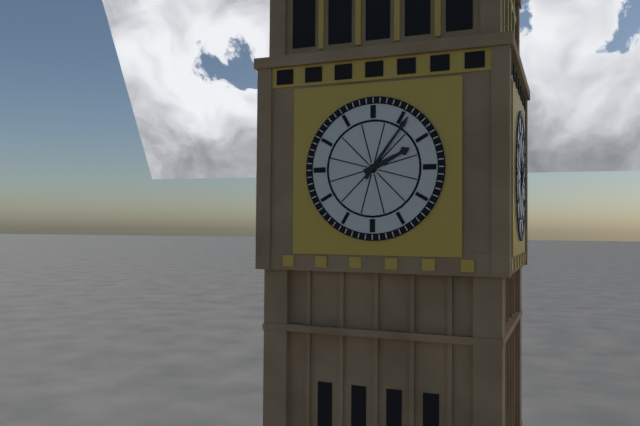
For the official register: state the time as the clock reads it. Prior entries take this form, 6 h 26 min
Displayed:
2 h 06 min
